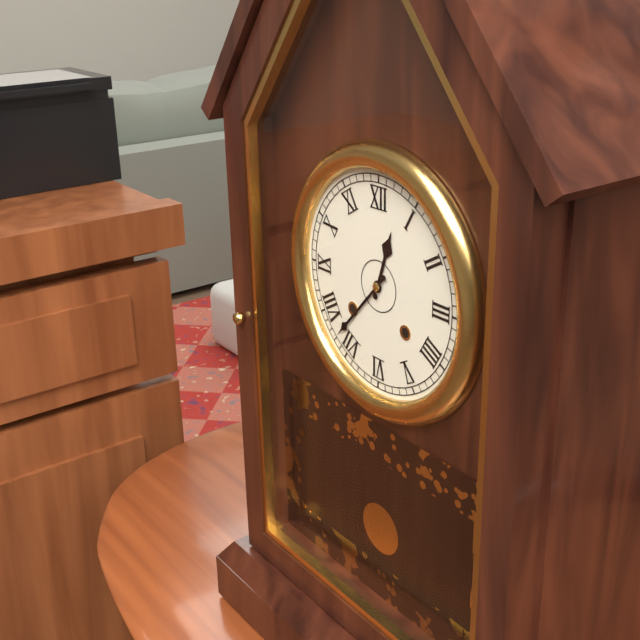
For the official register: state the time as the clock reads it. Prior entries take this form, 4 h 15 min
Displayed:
12 h 37 min
